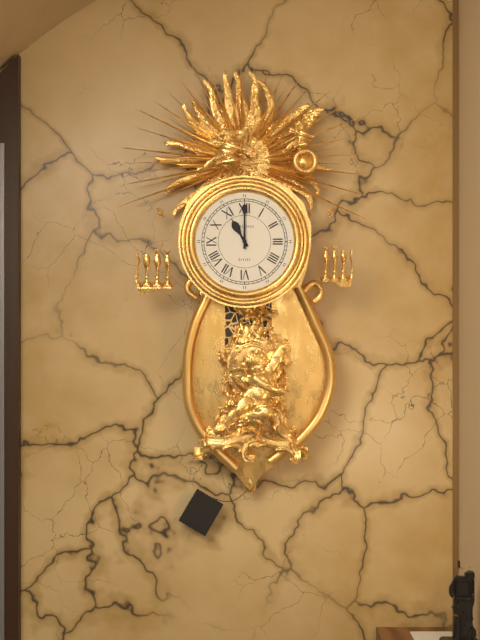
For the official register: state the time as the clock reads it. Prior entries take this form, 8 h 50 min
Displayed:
11 h 00 min
